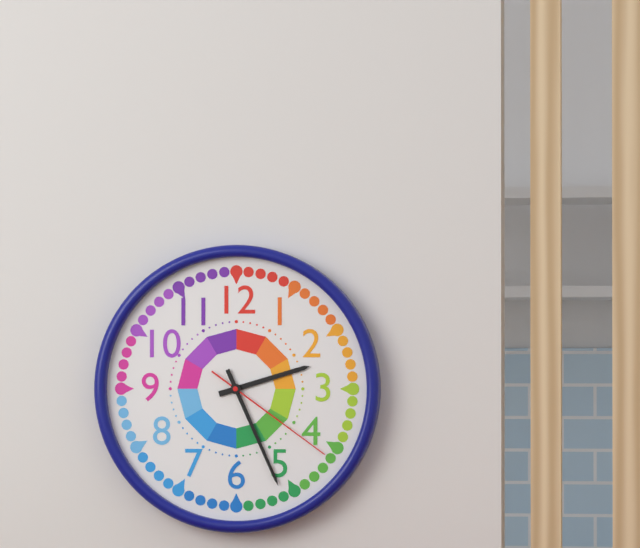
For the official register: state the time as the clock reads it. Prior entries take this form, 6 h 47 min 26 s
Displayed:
2 h 26 min 21 s
